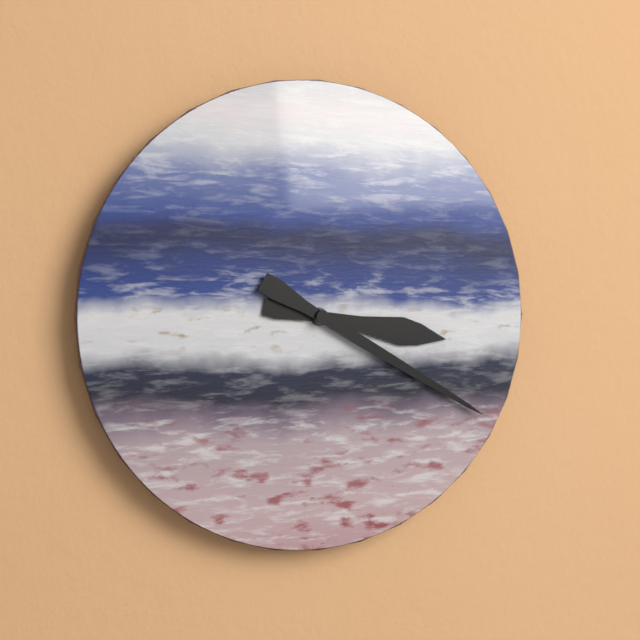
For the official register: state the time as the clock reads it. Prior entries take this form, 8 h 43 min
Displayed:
3 h 20 min
